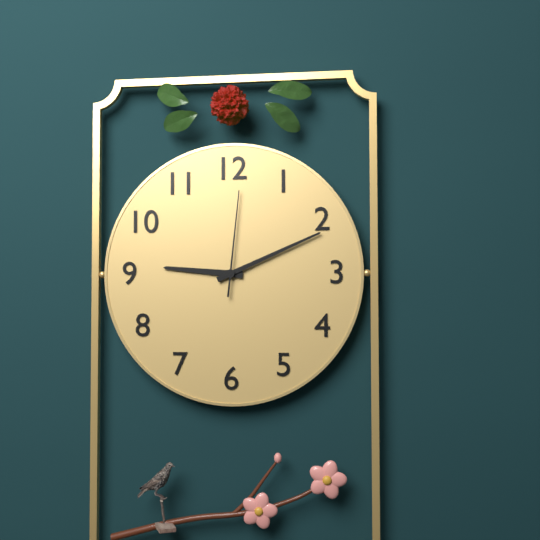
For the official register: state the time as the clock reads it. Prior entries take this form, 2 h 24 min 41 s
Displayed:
9 h 11 min 01 s
